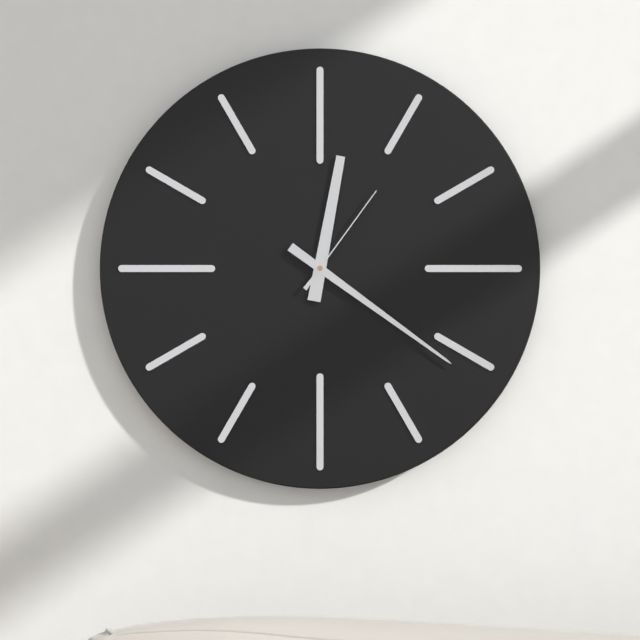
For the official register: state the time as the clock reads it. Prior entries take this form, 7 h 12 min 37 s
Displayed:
12 h 21 min 06 s
